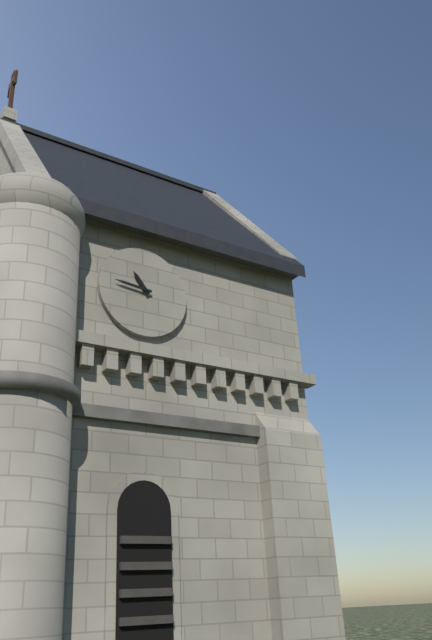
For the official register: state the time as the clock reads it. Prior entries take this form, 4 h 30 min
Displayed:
10 h 46 min
